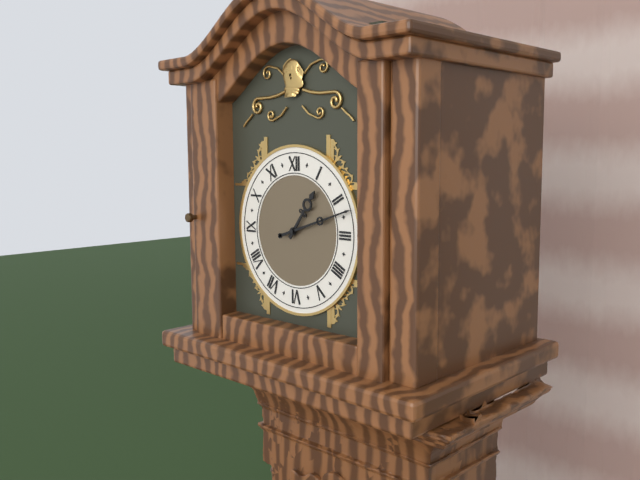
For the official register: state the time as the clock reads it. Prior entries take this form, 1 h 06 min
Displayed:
1 h 12 min
